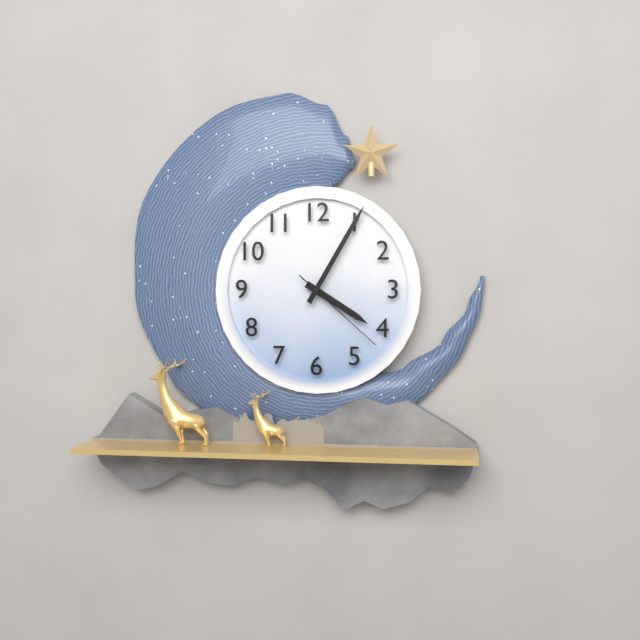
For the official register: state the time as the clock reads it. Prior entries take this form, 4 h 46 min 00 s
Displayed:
4 h 05 min 22 s
